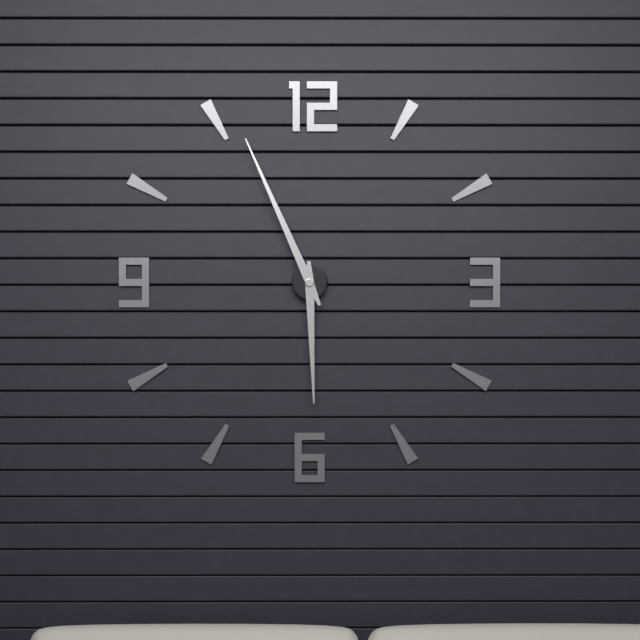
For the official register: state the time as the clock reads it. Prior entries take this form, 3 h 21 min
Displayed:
5 h 56 min
